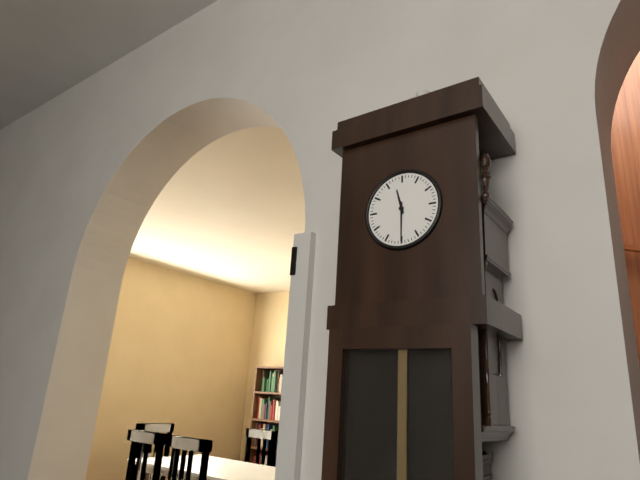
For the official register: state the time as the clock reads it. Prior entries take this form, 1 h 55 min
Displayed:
11 h 30 min
